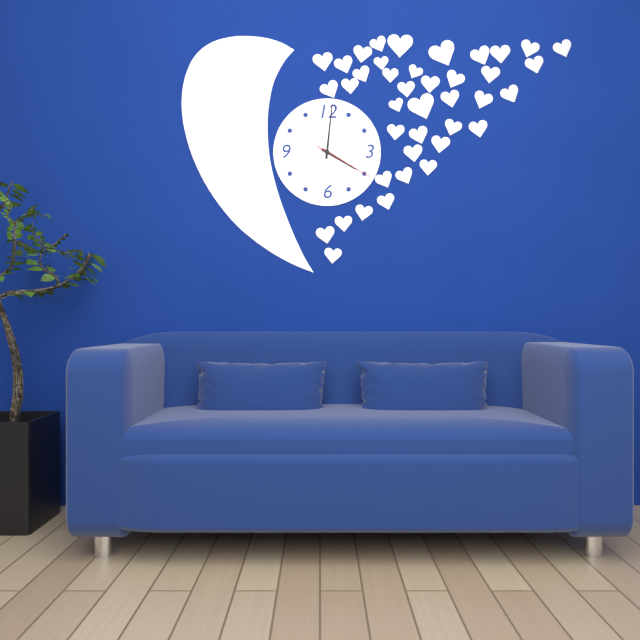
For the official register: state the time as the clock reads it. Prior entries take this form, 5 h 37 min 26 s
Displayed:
4 h 01 min 20 s
